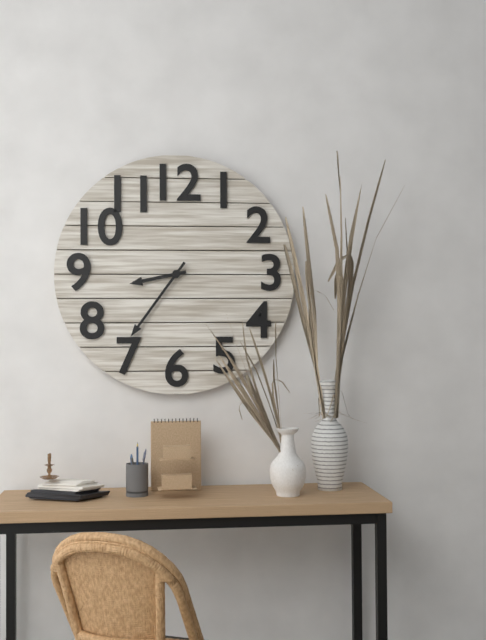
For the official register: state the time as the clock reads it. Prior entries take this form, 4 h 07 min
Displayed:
8 h 36 min
